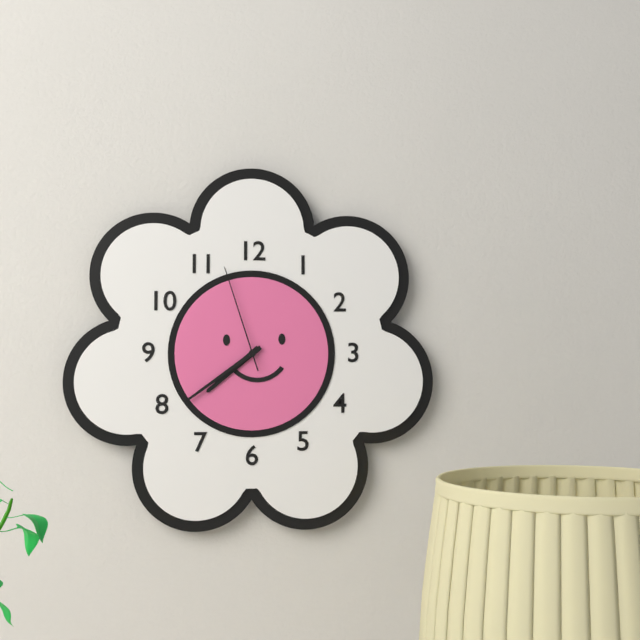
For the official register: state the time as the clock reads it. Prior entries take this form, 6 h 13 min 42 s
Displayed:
7 h 39 min 57 s
